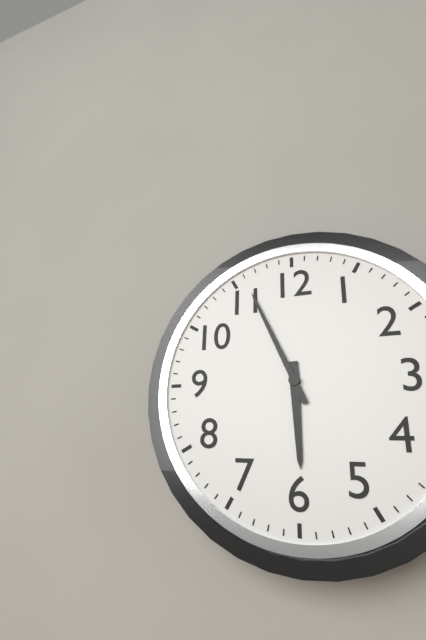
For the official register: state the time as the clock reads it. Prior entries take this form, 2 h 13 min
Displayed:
5 h 56 min
